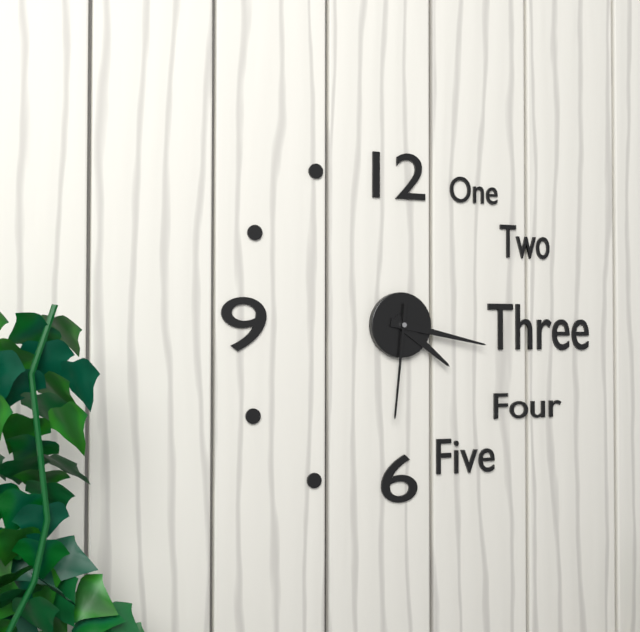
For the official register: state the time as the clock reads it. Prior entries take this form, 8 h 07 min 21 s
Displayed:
4 h 17 min 31 s
